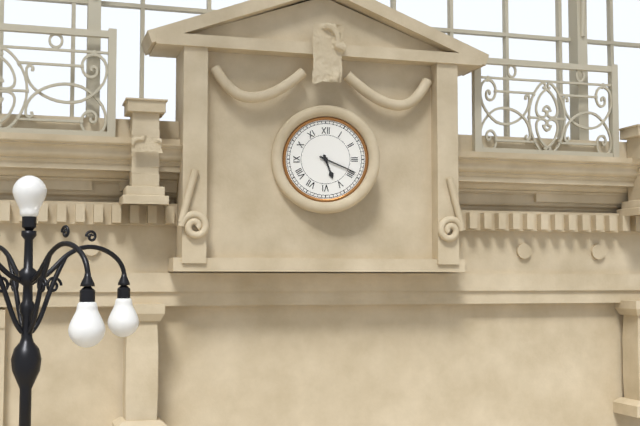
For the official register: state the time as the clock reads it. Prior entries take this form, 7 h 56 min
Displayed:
5 h 19 min
